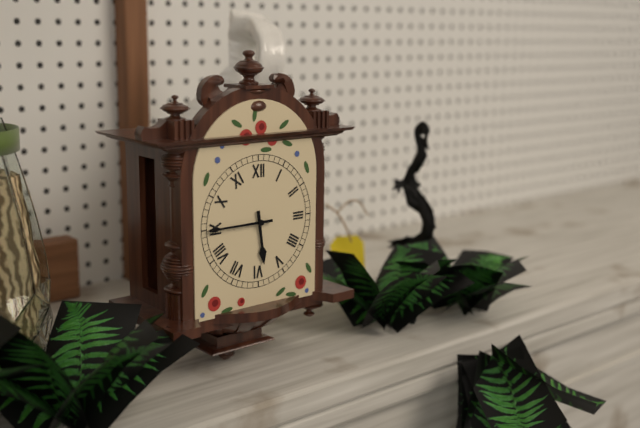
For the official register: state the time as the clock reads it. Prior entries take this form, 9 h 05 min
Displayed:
5 h 45 min
